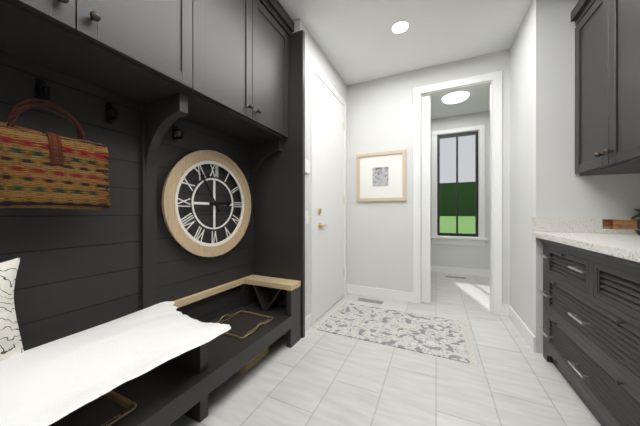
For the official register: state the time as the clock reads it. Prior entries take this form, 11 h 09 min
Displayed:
2 h 55 min
